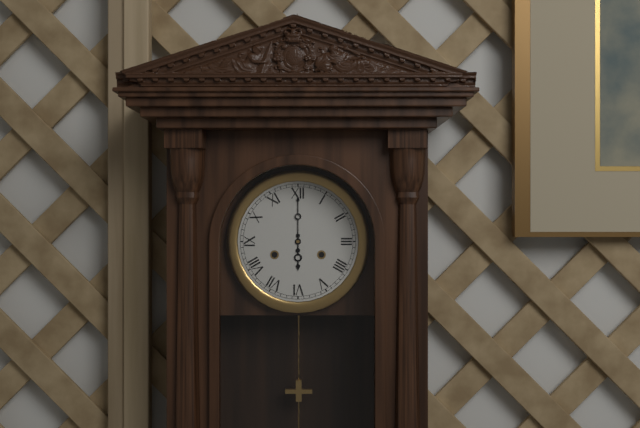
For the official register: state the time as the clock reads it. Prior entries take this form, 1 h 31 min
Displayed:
6 h 00 min
